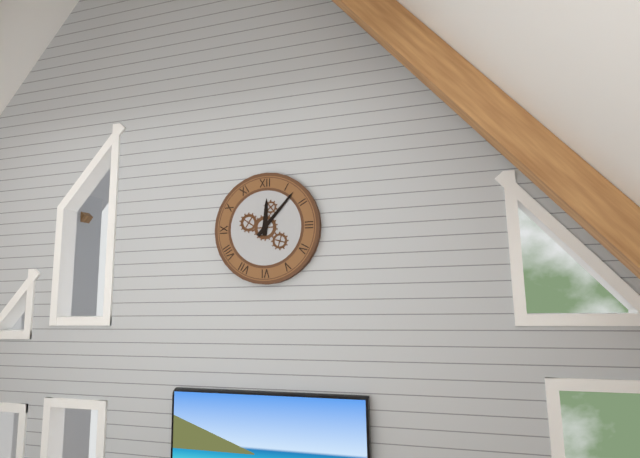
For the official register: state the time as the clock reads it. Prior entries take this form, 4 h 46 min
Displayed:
12 h 07 min
